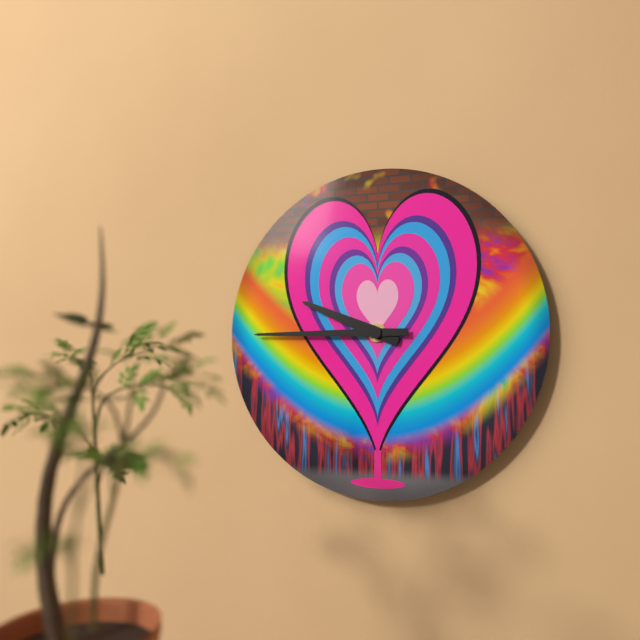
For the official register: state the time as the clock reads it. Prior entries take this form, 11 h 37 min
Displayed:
9 h 45 min
